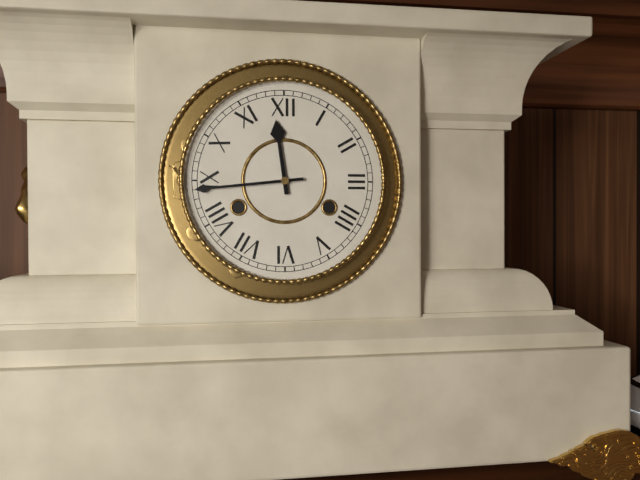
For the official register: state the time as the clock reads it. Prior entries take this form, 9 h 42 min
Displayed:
11 h 44 min
